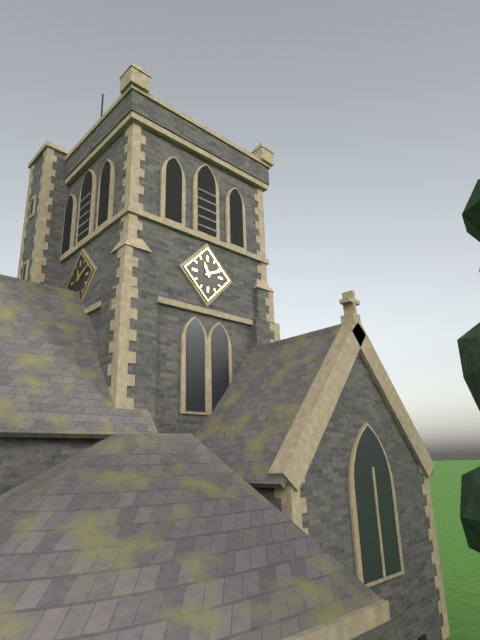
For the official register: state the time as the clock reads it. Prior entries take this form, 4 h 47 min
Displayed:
11 h 11 min
